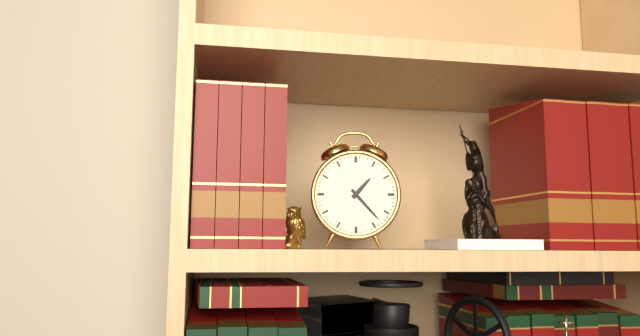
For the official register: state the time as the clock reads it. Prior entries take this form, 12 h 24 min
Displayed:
1 h 23 min
